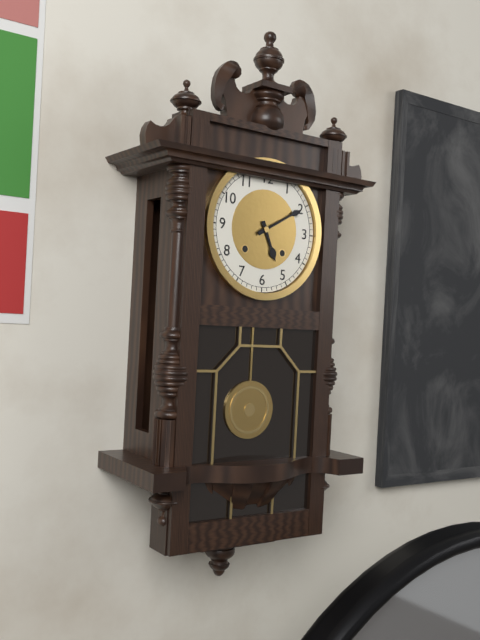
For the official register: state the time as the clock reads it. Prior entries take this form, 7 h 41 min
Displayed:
5 h 10 min
